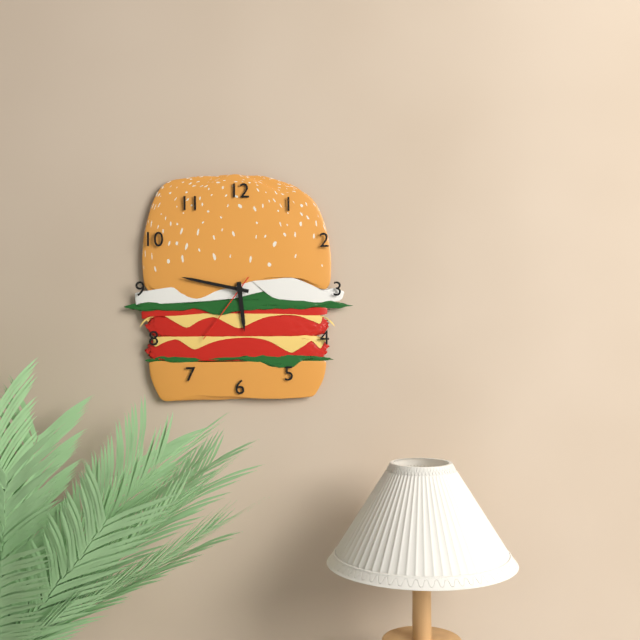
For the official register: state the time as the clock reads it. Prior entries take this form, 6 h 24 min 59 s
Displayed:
5 h 47 min 36 s
